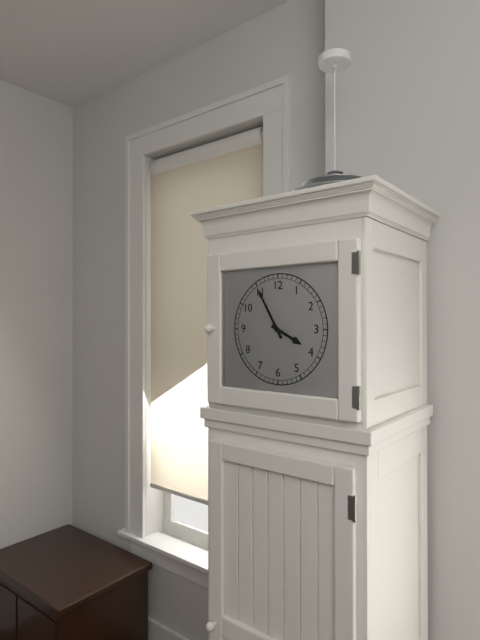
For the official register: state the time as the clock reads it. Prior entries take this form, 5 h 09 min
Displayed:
3 h 55 min
